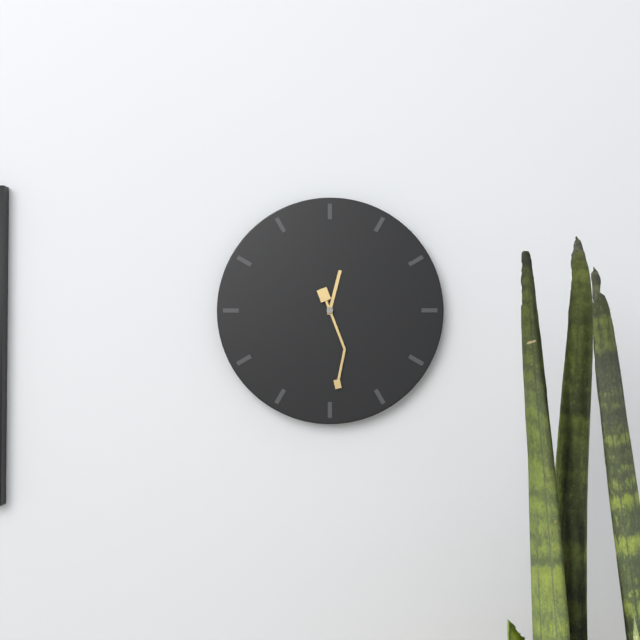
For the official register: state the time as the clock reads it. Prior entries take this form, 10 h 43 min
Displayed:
12 h 29 min
